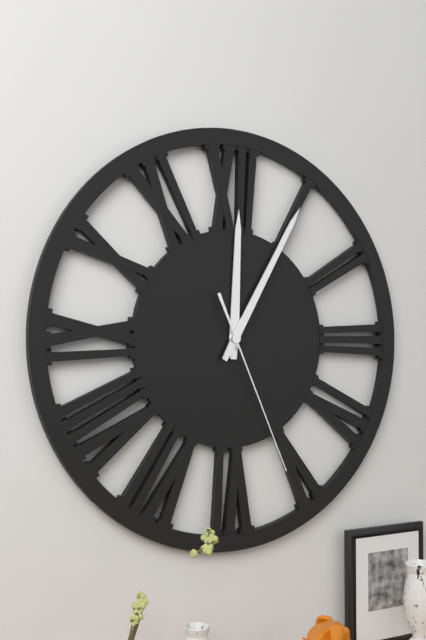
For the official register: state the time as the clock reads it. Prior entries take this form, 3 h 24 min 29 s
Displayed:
12 h 05 min 26 s
